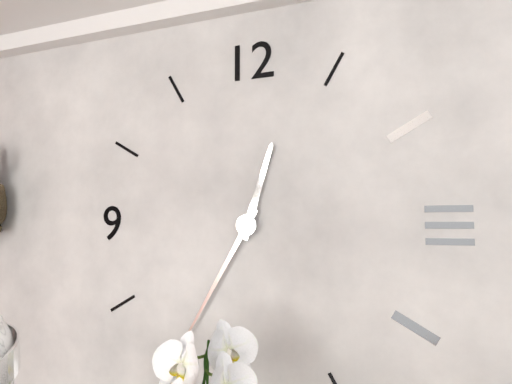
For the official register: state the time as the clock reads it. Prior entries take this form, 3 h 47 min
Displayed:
12 h 35 min
